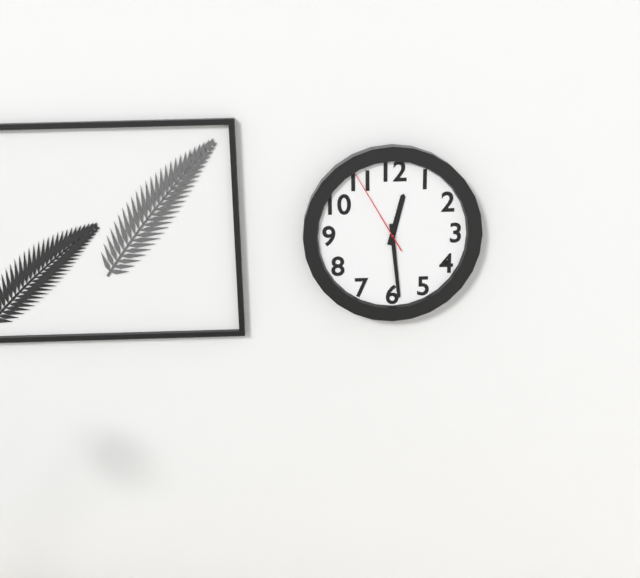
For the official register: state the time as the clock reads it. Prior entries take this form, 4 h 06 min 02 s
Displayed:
12 h 29 min 55 s
